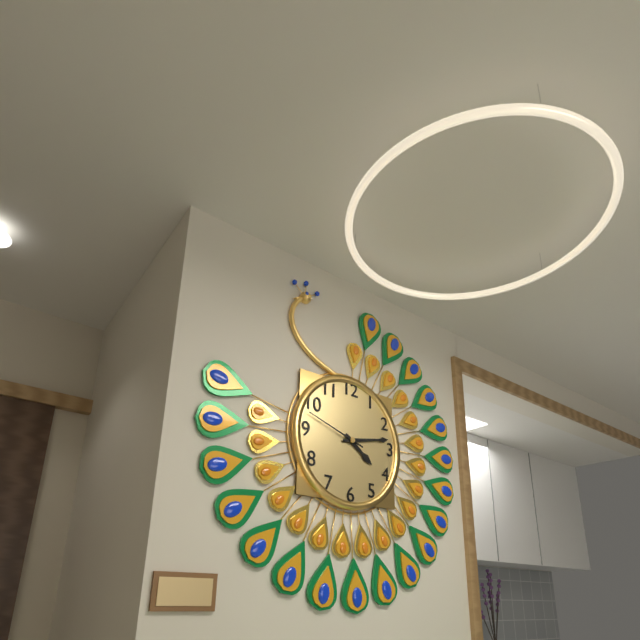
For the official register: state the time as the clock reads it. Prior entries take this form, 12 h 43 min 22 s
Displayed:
4 h 13 min 48 s
